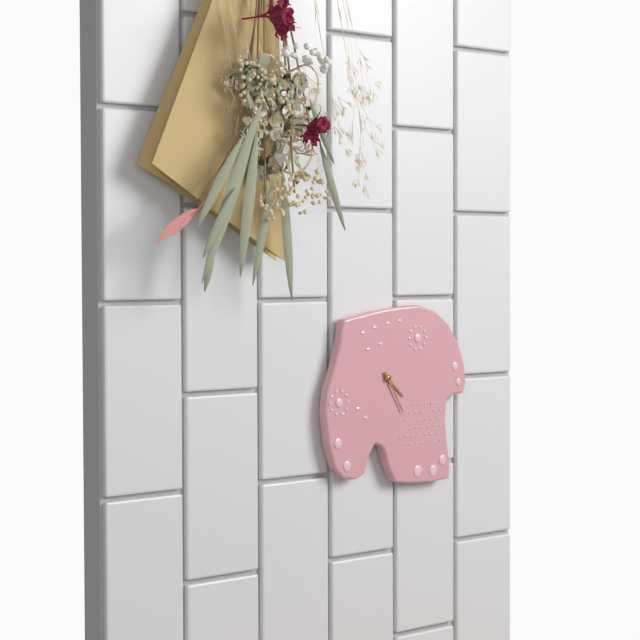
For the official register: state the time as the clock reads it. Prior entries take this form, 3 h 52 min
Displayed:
4 h 25 min
